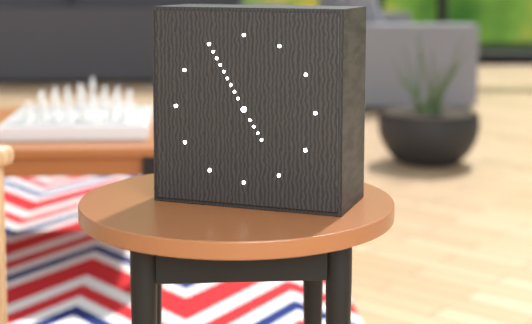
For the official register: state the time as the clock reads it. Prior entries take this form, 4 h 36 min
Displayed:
4 h 55 min
